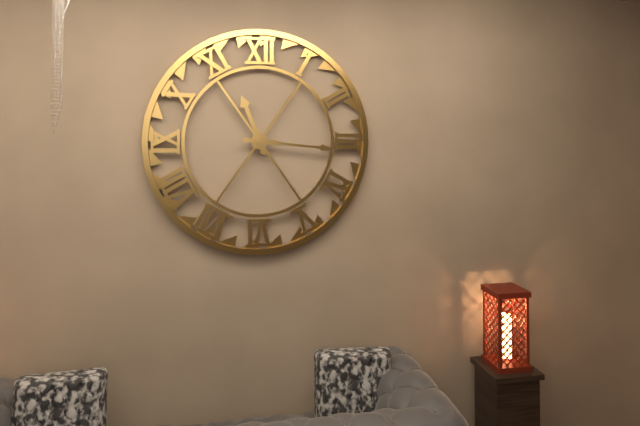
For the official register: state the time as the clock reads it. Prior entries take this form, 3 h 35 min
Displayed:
11 h 16 min
